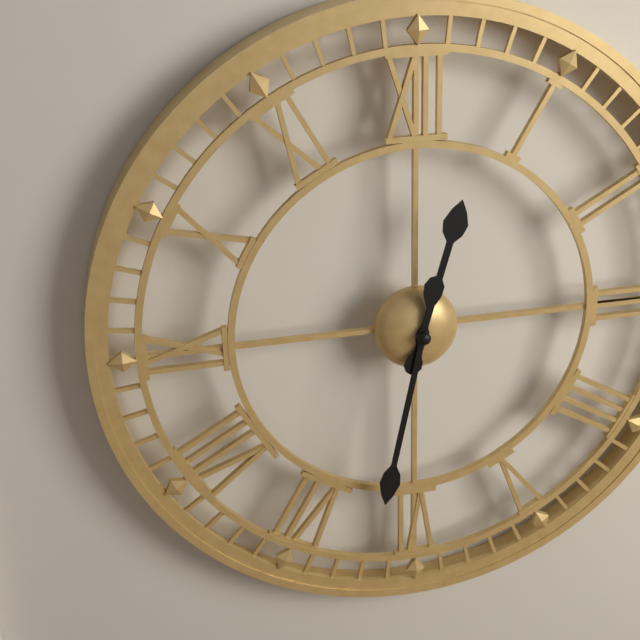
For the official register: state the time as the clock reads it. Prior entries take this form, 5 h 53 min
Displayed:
12 h 32 min
